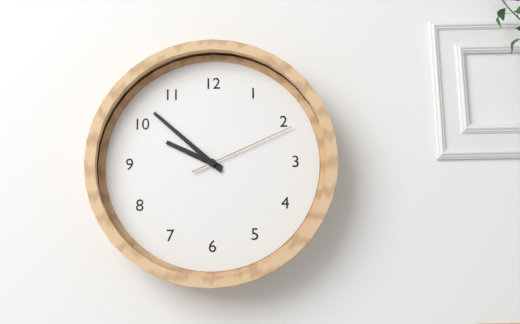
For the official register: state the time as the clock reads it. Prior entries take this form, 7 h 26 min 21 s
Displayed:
9 h 52 min 11 s
